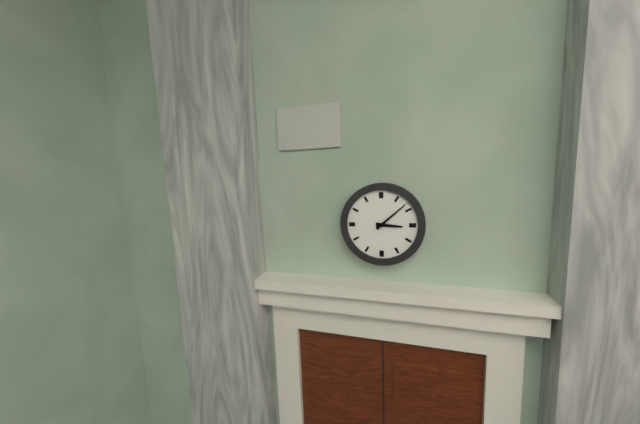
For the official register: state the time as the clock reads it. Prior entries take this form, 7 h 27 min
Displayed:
3 h 08 min
